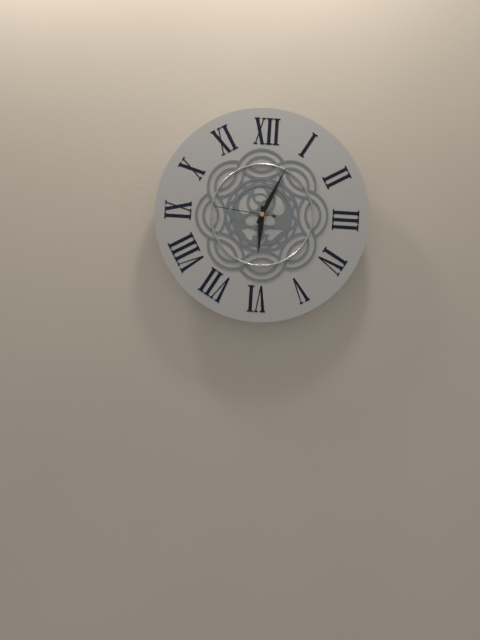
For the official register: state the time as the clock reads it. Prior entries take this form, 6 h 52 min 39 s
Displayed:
6 h 04 min 46 s
